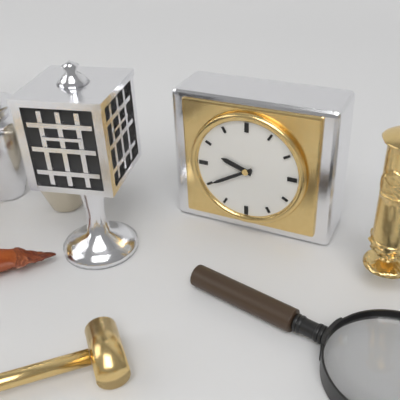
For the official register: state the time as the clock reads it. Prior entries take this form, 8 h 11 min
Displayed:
9 h 40 min
